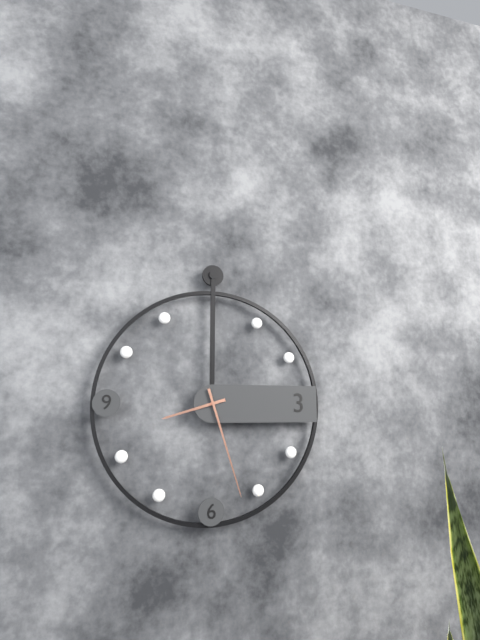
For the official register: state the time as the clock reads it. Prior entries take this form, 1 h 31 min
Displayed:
8 h 27 min
